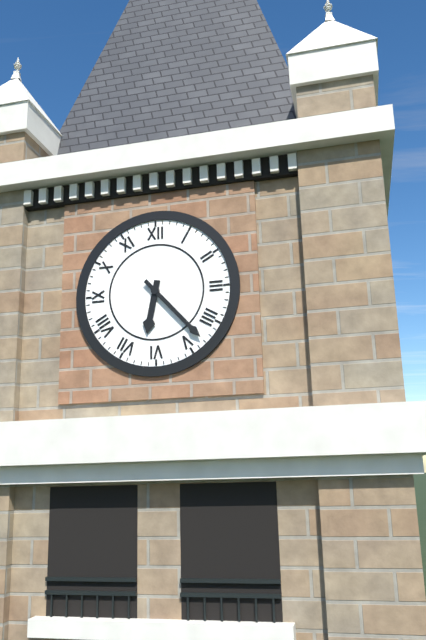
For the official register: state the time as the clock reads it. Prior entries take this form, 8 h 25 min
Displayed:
6 h 23 min
